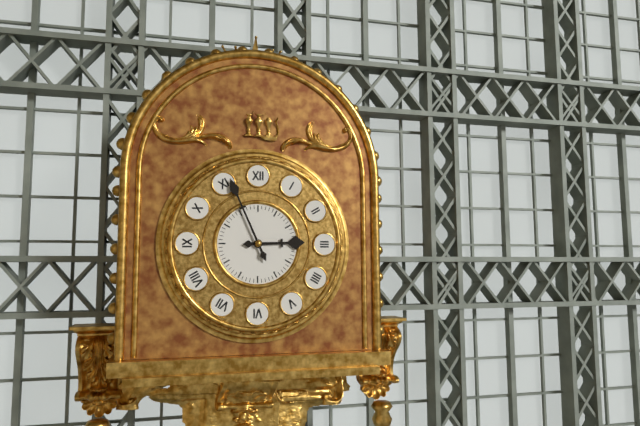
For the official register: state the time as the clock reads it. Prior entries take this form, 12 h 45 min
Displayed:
2 h 56 min
